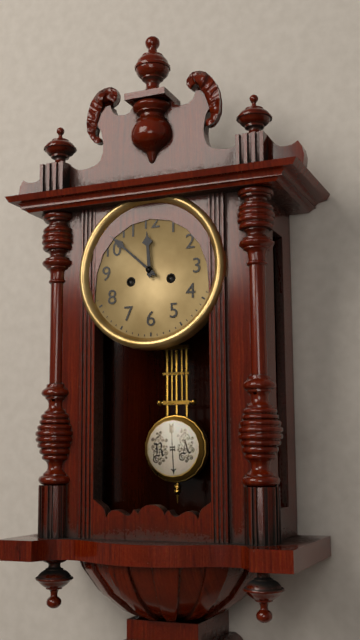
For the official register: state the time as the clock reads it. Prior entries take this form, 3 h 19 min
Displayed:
11 h 52 min
